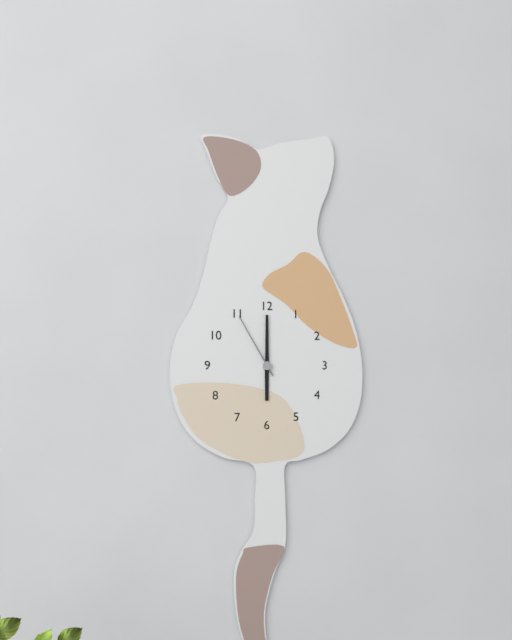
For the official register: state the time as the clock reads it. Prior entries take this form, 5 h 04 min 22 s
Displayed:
6 h 00 min 55 s
